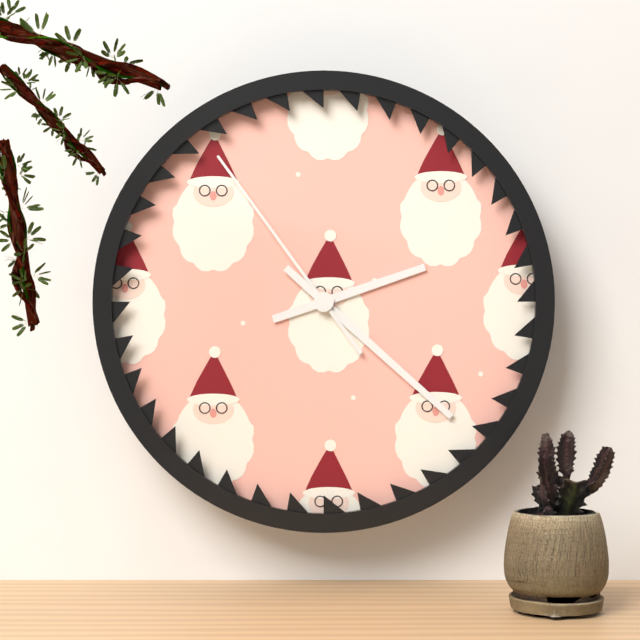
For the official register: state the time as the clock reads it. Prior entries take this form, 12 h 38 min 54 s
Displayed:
2 h 22 min 54 s
